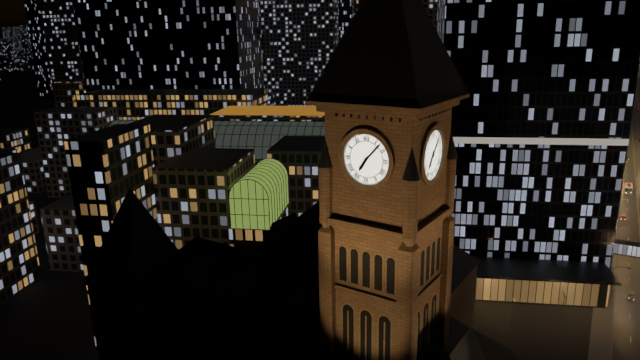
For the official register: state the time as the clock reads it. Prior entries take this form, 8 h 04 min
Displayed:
7 h 07 min
